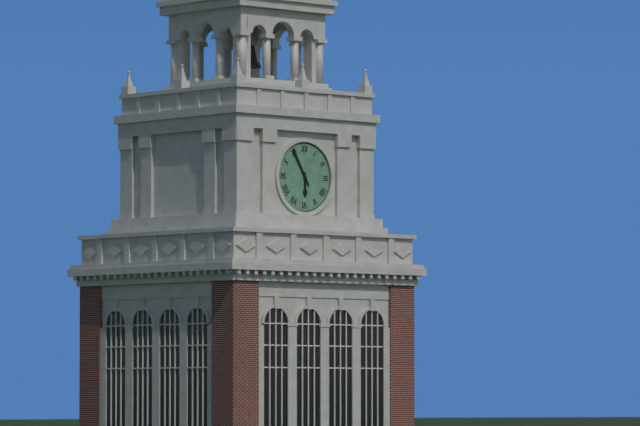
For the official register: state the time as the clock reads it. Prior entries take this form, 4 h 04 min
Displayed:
5 h 55 min
